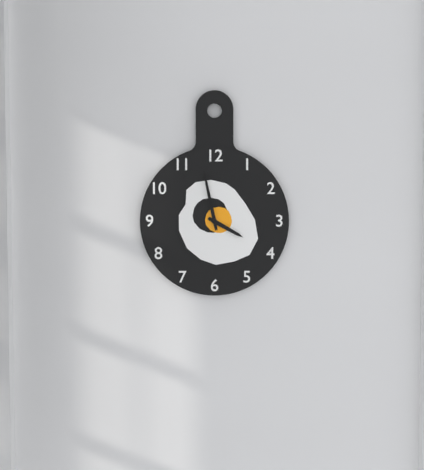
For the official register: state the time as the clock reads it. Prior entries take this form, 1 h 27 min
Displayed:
3 h 58 min
